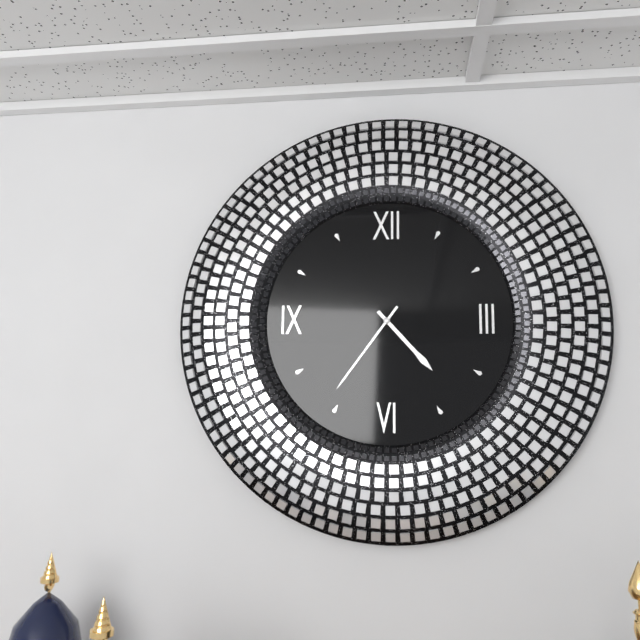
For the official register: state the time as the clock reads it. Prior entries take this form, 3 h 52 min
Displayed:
4 h 36 min
